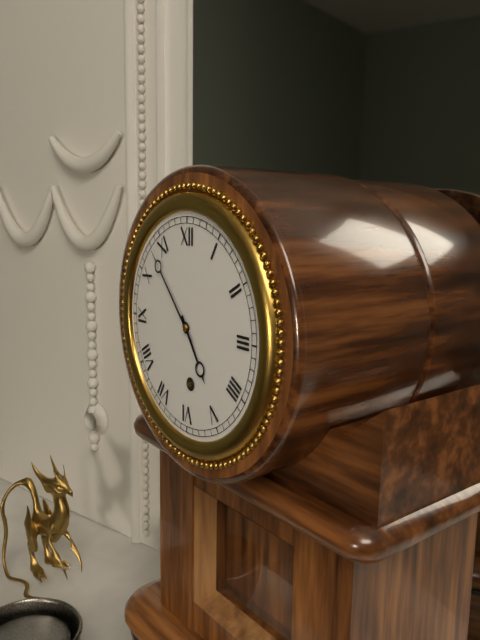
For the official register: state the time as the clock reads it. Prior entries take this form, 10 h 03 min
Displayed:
4 h 53 min
